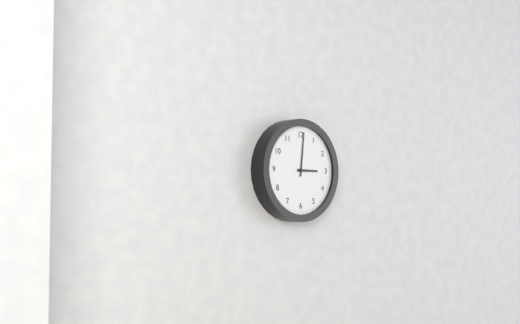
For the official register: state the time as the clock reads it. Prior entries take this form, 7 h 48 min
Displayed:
3 h 01 min
